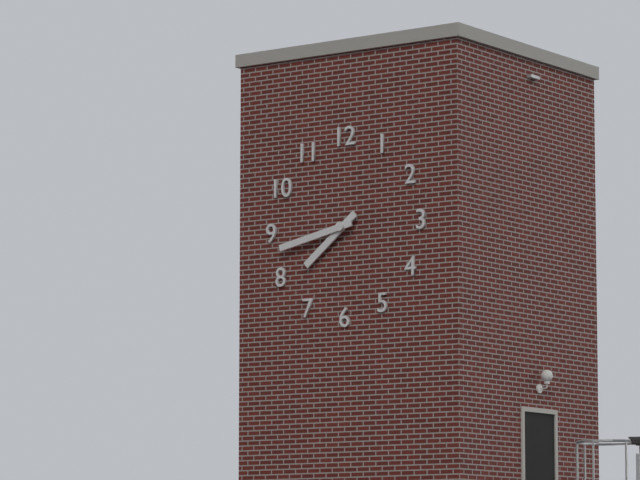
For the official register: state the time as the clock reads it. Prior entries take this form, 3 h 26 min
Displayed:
7 h 43 min
